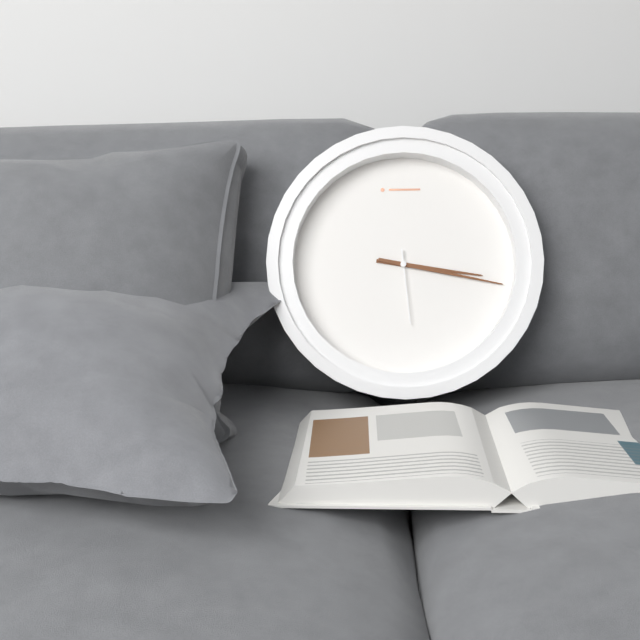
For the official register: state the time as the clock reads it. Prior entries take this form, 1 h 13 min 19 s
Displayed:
3 h 17 min 29 s
